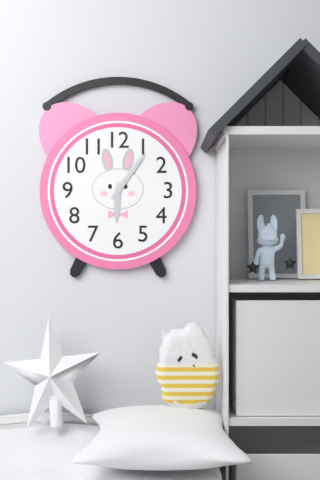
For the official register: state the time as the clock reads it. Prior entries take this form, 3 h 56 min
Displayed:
6 h 06 min
